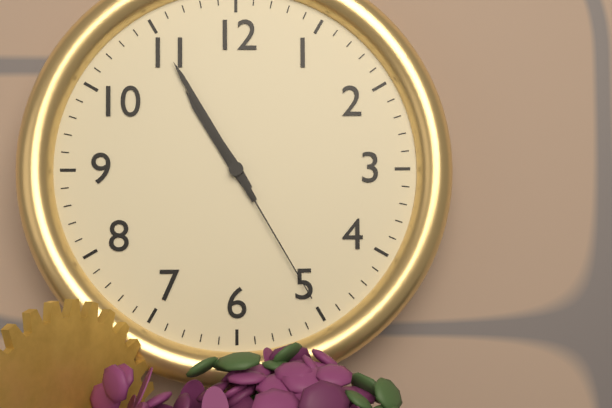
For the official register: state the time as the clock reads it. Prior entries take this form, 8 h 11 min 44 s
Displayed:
10 h 55 min 25 s
